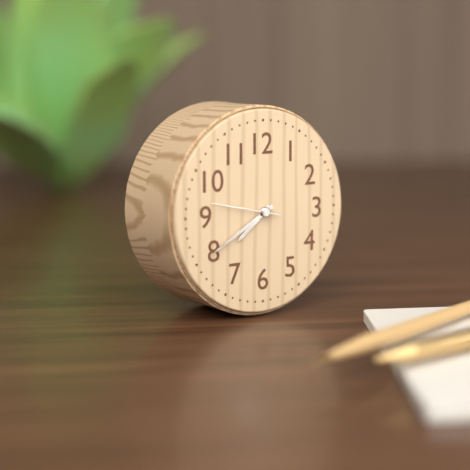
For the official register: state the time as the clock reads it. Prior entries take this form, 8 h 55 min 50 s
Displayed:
7 h 40 min 47 s
